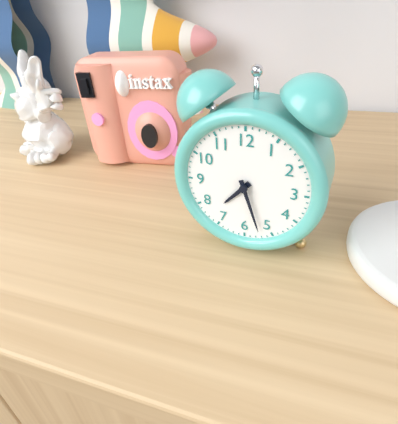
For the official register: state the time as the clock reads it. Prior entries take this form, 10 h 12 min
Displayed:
7 h 27 min
